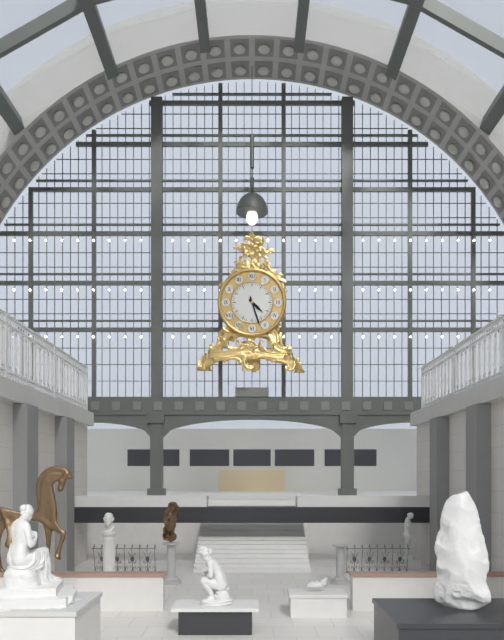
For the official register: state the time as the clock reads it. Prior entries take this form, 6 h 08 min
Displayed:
4 h 27 min
